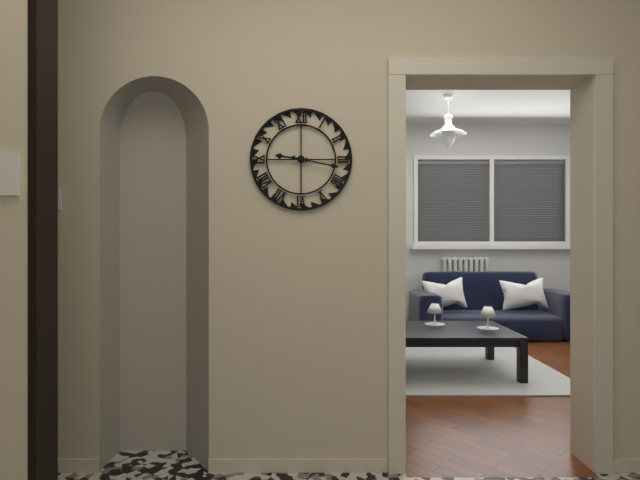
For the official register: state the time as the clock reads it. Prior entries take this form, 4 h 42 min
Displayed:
9 h 17 min
